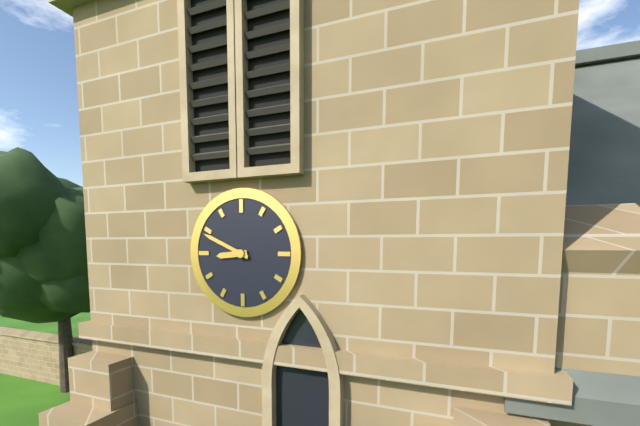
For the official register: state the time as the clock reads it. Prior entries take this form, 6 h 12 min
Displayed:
8 h 49 min
